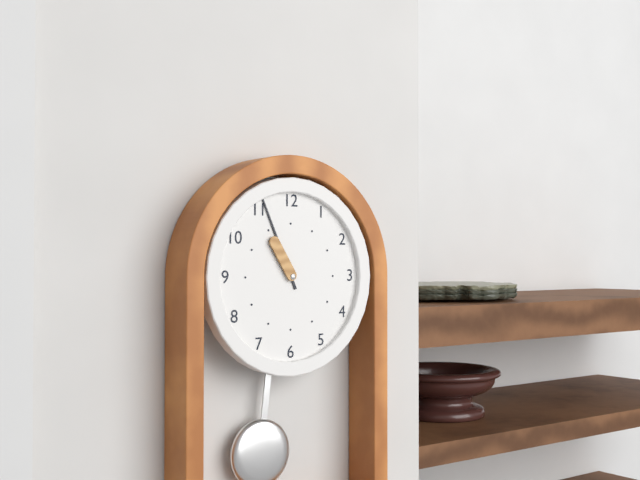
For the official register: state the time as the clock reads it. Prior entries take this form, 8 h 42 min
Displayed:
10 h 56 min
